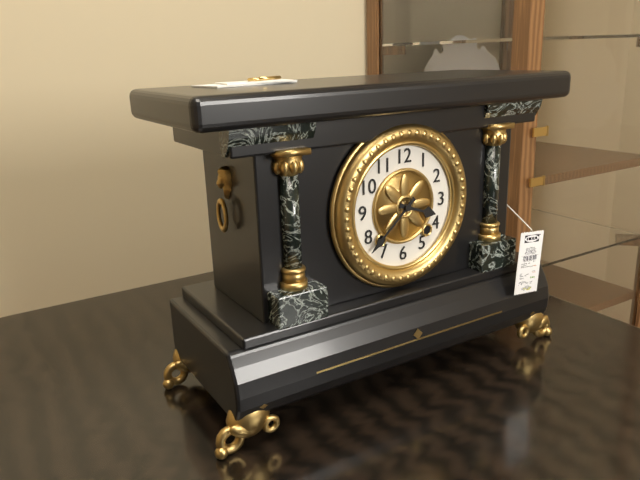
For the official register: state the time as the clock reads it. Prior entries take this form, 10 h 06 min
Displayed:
3 h 38 min
